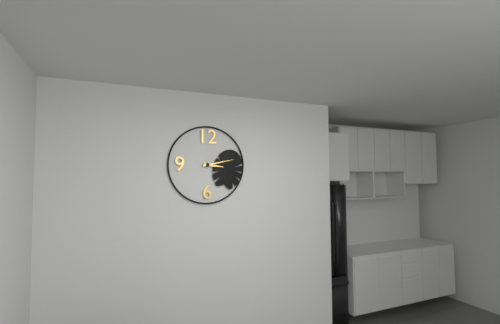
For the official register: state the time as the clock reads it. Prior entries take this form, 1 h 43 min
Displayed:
3 h 13 min
